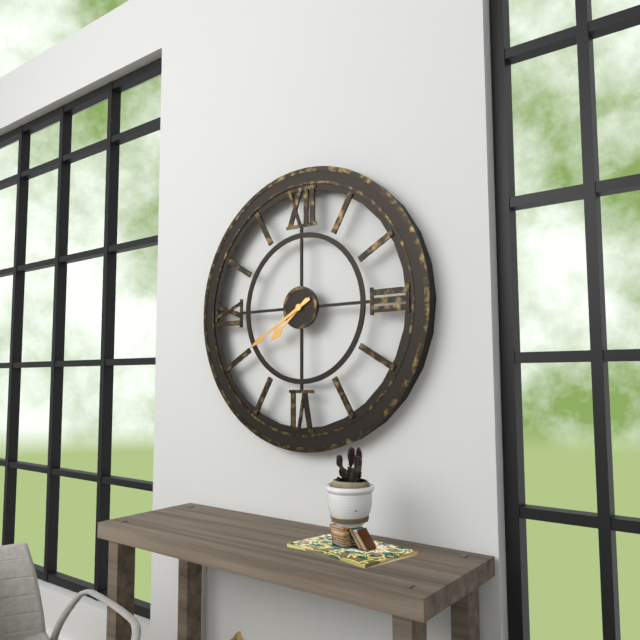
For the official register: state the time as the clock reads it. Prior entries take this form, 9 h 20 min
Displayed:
7 h 40 min
